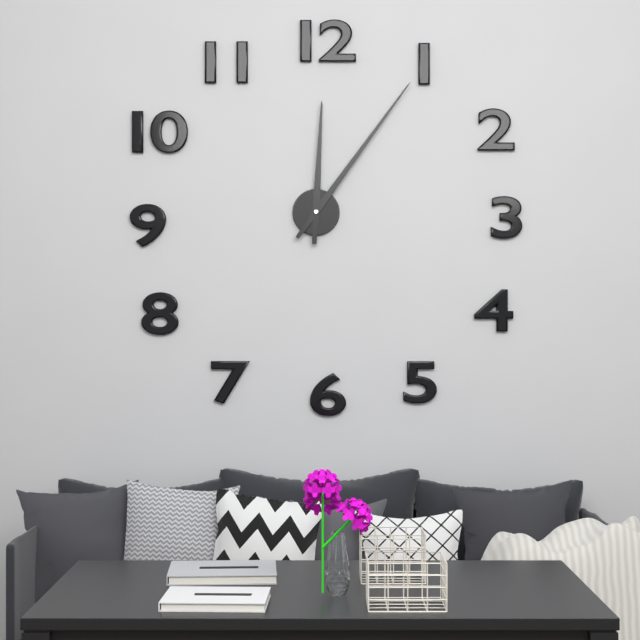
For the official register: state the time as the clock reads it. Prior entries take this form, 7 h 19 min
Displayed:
12 h 06 min
